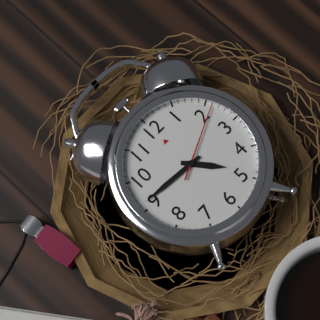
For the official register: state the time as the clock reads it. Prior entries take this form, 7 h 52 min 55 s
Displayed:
4 h 46 min 11 s
